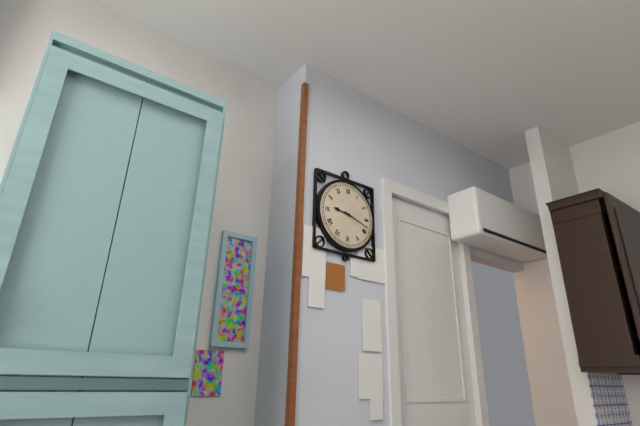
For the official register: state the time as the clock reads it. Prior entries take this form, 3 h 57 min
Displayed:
9 h 18 min
